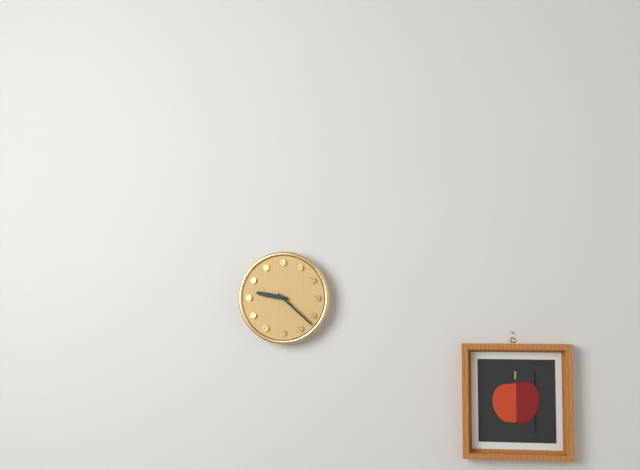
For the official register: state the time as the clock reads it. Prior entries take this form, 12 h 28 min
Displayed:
9 h 22 min
